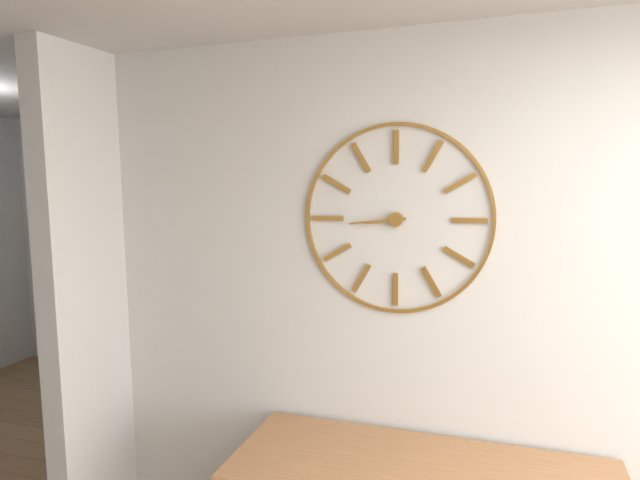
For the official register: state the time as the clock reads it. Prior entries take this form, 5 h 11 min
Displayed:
8 h 44 min
